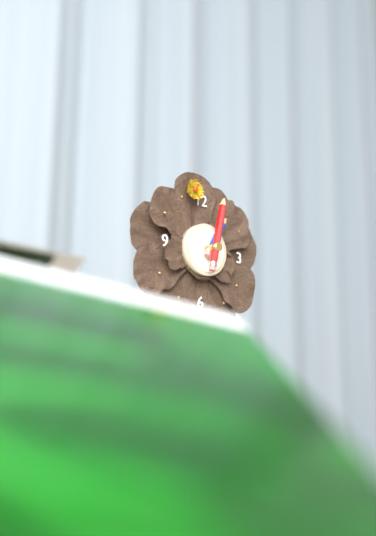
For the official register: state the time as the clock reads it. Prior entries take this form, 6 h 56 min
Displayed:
1 h 02 min
